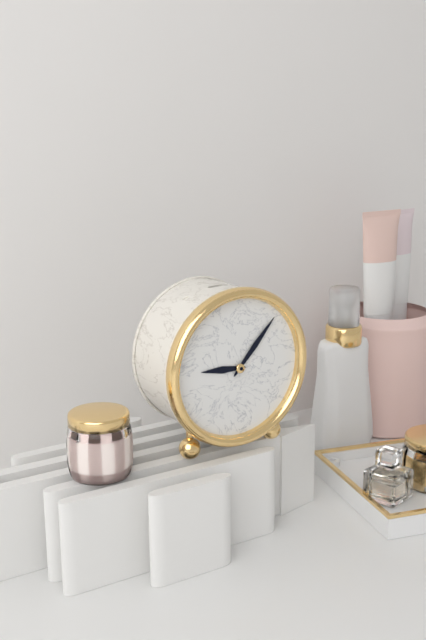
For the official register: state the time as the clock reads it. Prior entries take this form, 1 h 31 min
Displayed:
9 h 07 min
